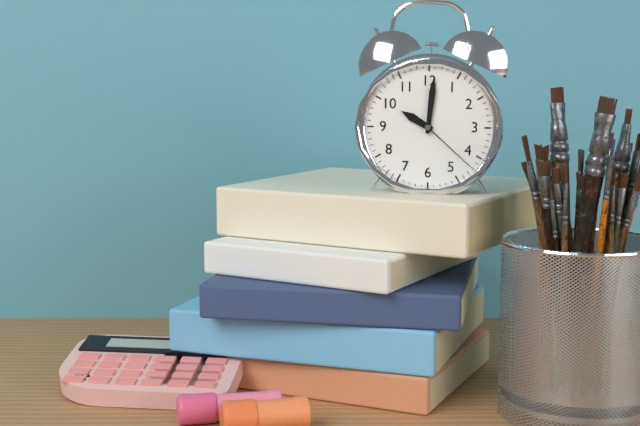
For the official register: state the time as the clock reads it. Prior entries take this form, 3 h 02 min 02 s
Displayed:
10 h 01 min 22 s
